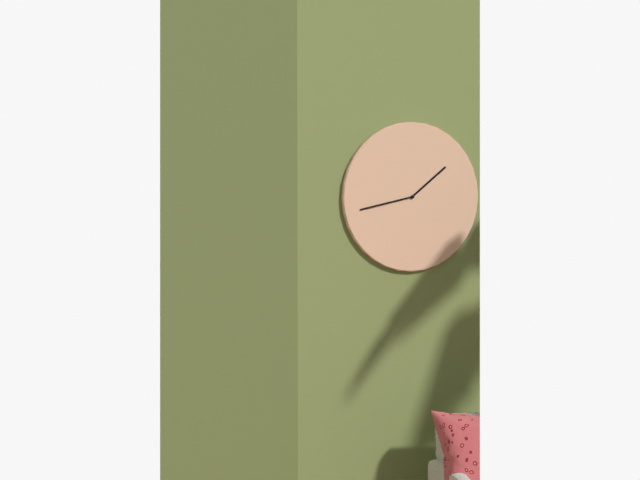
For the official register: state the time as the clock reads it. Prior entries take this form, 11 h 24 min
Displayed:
1 h 43 min
